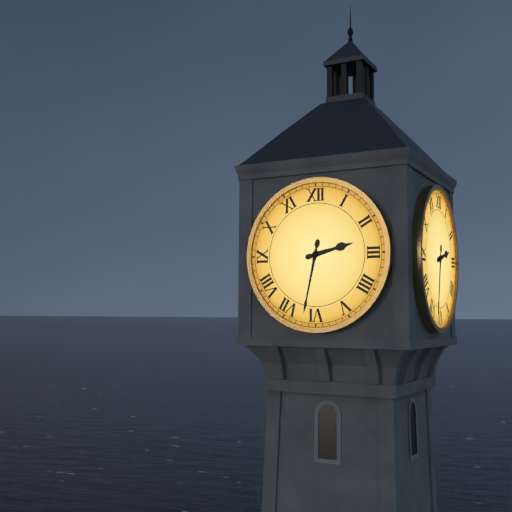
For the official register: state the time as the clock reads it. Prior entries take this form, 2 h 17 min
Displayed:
2 h 32 min
